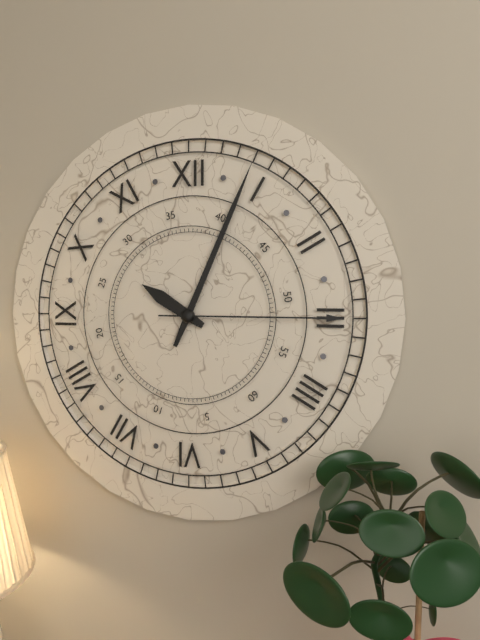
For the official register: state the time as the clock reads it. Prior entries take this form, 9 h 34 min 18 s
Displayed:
10 h 04 min 15 s
